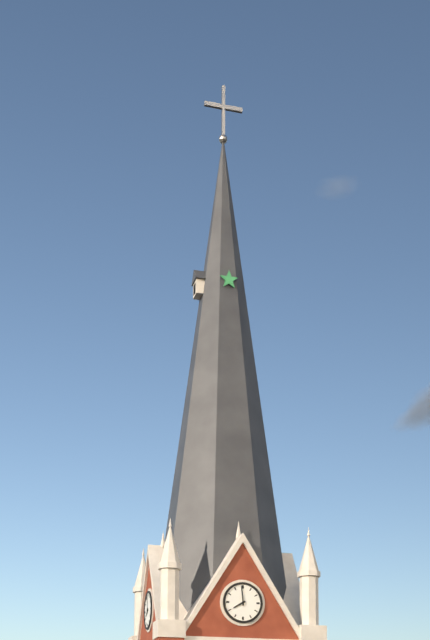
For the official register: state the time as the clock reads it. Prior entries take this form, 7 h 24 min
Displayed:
7 h 59 min
